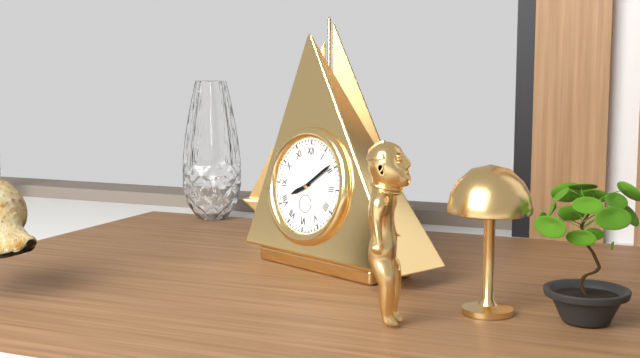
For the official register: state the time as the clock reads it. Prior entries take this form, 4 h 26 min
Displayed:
8 h 09 min
